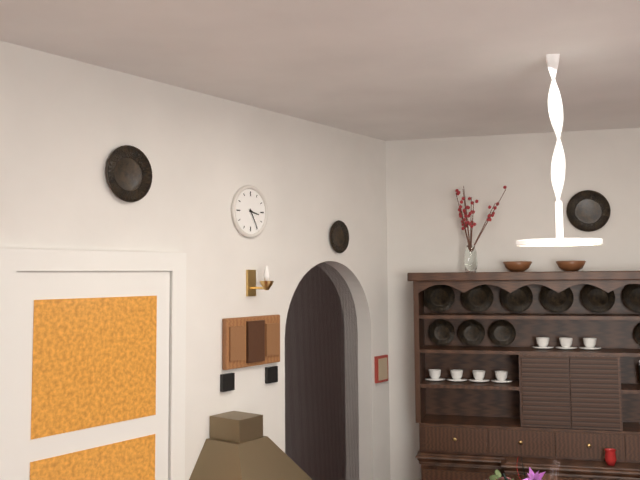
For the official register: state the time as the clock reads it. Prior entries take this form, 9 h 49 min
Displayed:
3 h 25 min
